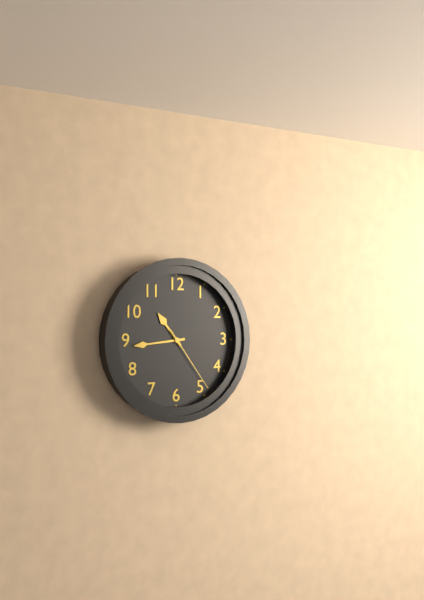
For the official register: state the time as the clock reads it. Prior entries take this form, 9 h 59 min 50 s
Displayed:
10 h 44 min 24 s
